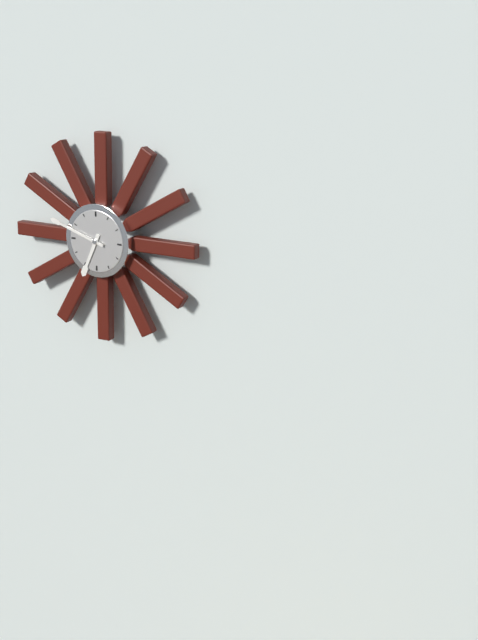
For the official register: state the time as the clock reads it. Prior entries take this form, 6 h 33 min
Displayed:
6 h 48 min
